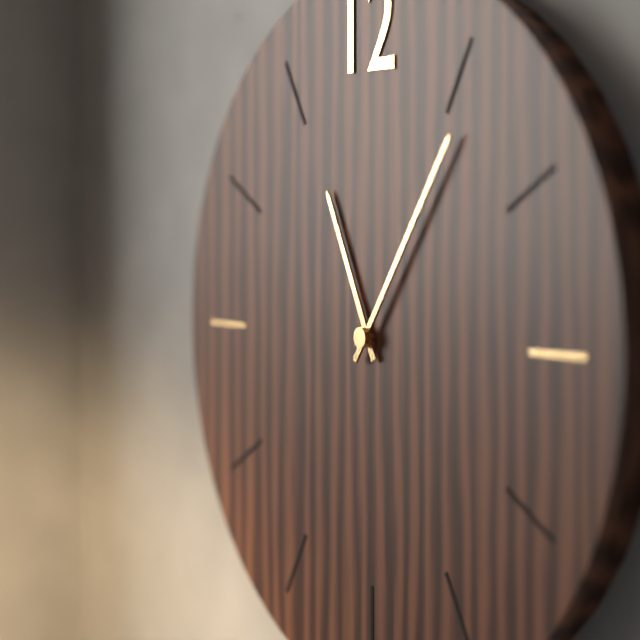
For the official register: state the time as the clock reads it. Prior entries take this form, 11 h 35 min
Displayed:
11 h 06 min
